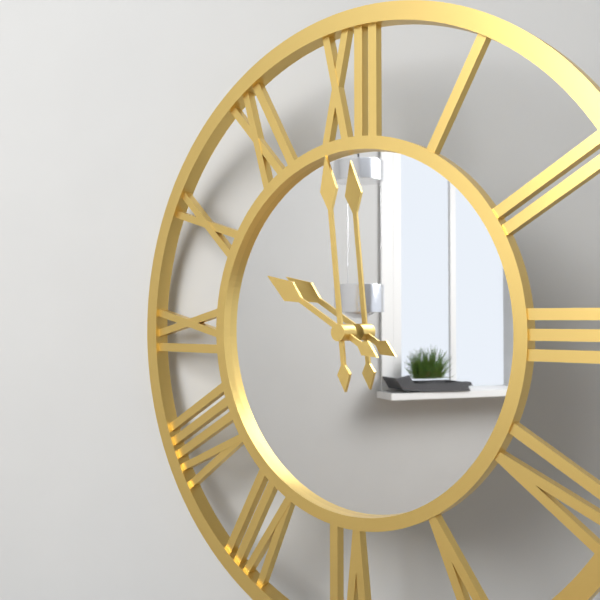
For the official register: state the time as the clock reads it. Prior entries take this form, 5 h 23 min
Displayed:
9 h 59 min
